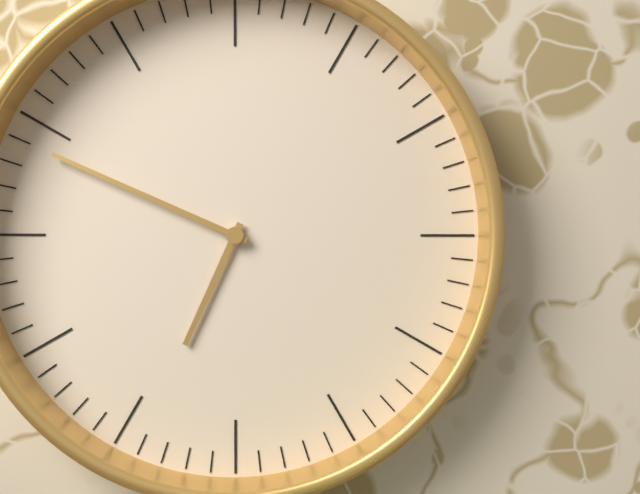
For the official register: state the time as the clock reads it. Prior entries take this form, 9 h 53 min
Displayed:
6 h 49 min
